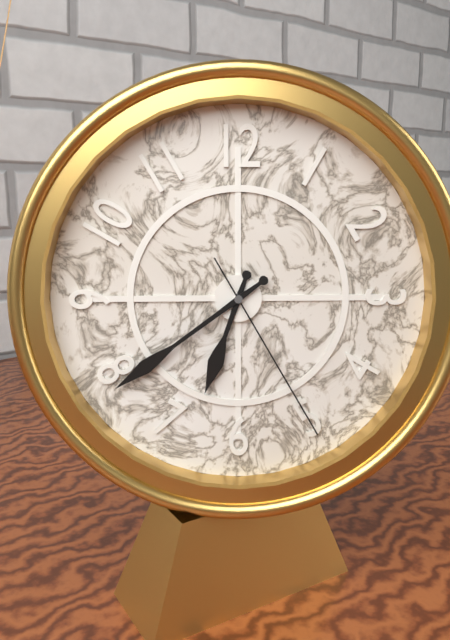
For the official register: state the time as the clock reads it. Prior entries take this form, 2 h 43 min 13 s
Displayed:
6 h 39 min 25 s
